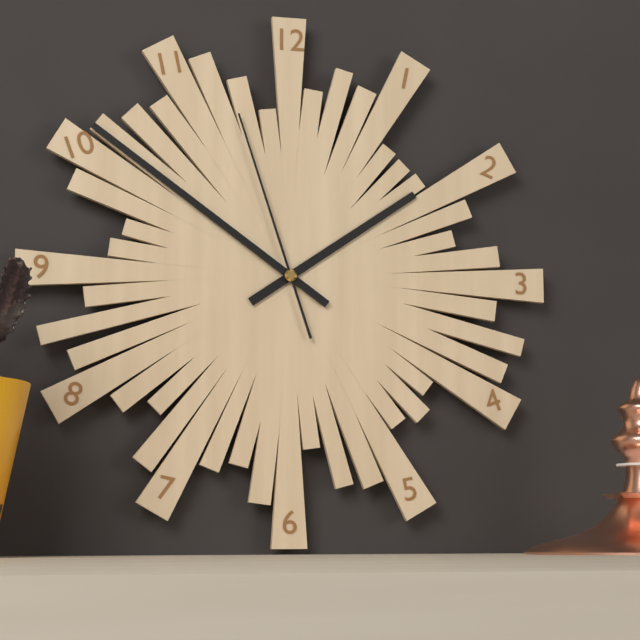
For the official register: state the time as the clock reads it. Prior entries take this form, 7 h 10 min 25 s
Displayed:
1 h 51 min 57 s
